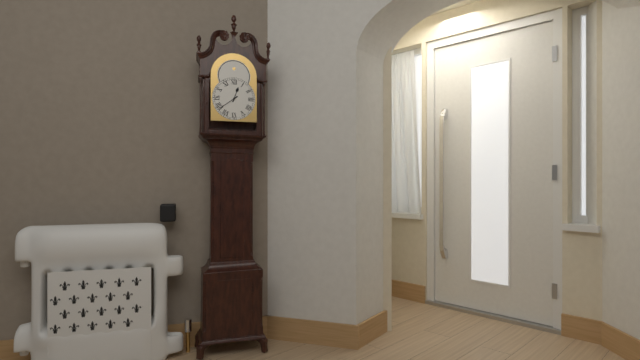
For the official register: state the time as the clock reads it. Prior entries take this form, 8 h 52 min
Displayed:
12 h 39 min
